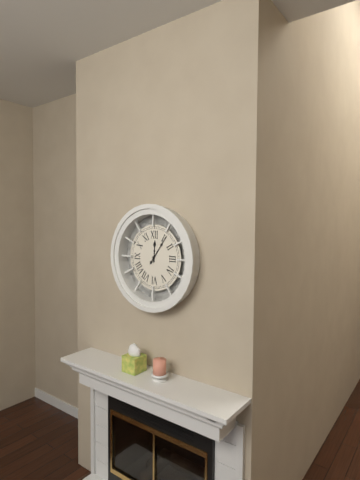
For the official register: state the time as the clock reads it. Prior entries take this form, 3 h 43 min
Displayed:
12 h 06 min
